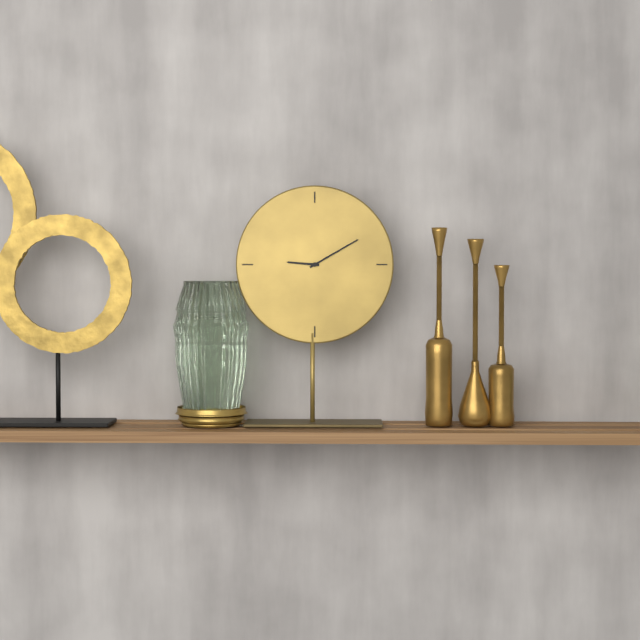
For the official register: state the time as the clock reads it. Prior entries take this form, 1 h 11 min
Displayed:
9 h 10 min
